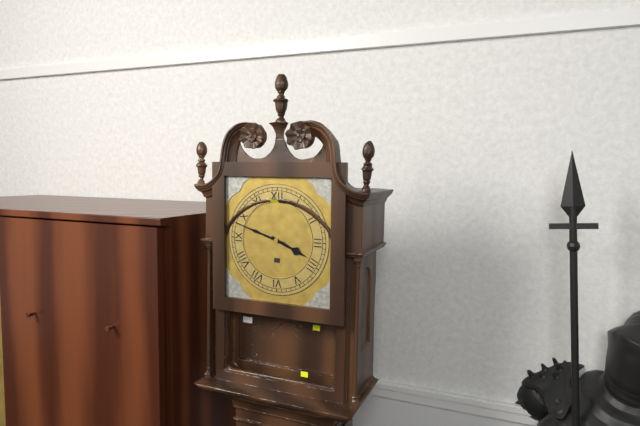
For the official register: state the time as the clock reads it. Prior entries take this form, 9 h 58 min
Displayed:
3 h 48 min
